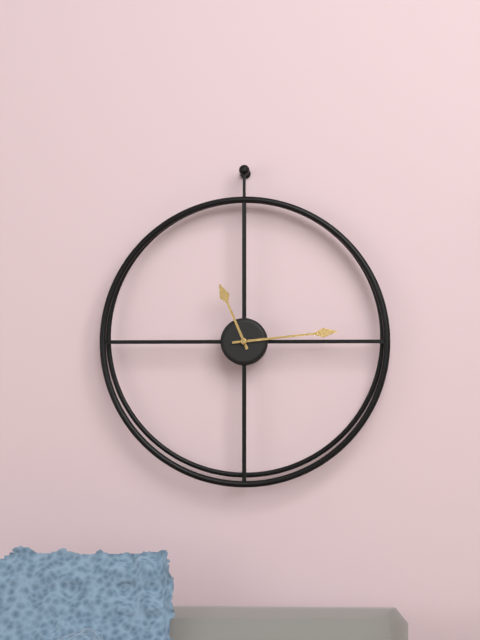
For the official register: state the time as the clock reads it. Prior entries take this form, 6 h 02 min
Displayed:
11 h 14 min
